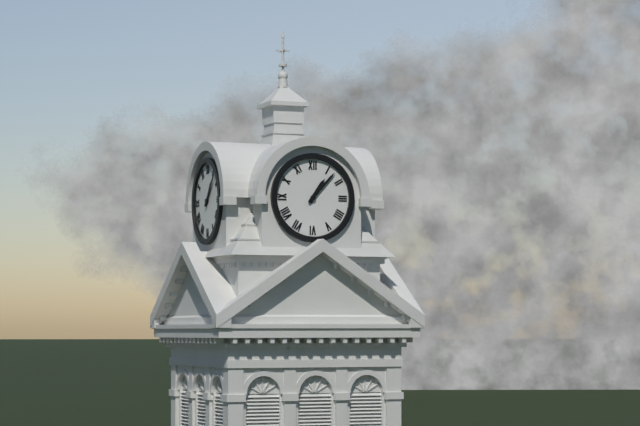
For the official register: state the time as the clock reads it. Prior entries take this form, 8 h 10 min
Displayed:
1 h 07 min
